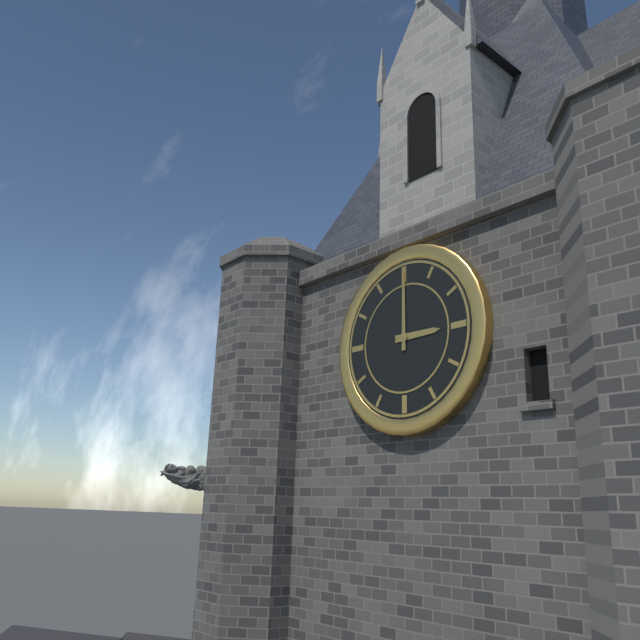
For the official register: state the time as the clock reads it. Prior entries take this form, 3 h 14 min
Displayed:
3 h 00 min
